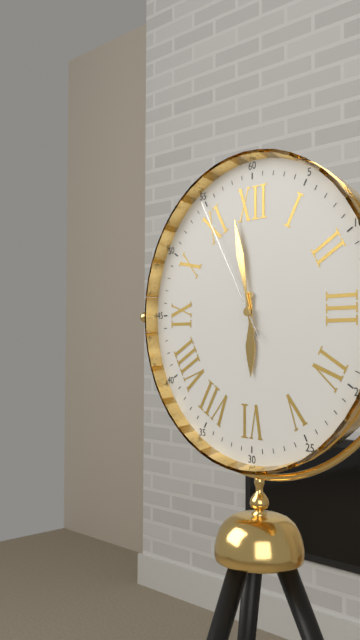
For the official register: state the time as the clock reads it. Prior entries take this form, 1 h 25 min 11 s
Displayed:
5 h 58 min 55 s
